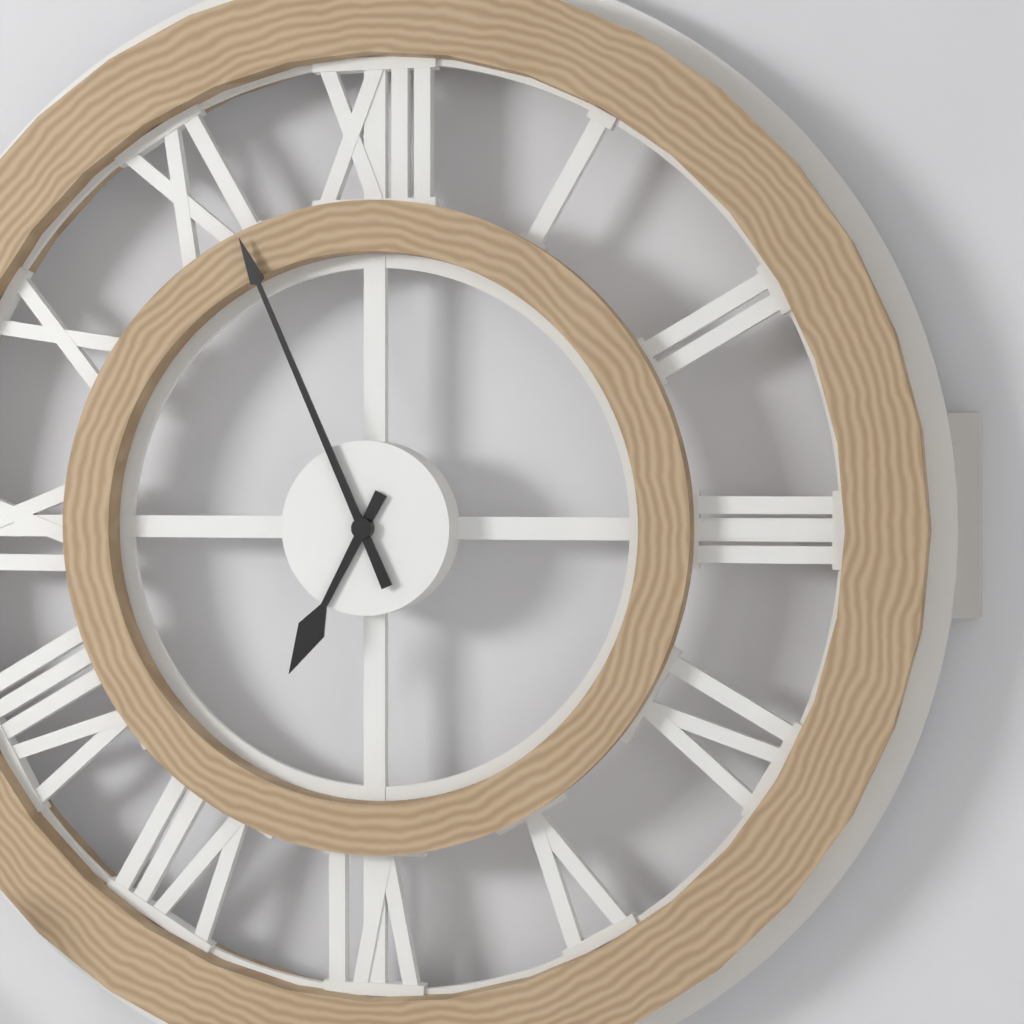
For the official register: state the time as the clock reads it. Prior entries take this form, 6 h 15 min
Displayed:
6 h 56 min
